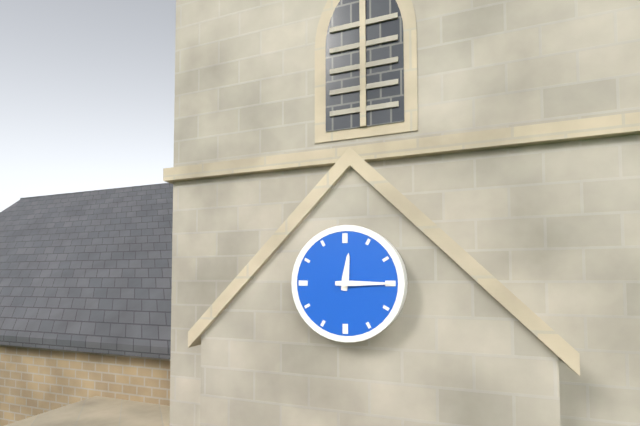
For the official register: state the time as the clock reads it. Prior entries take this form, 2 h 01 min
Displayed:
12 h 15 min
